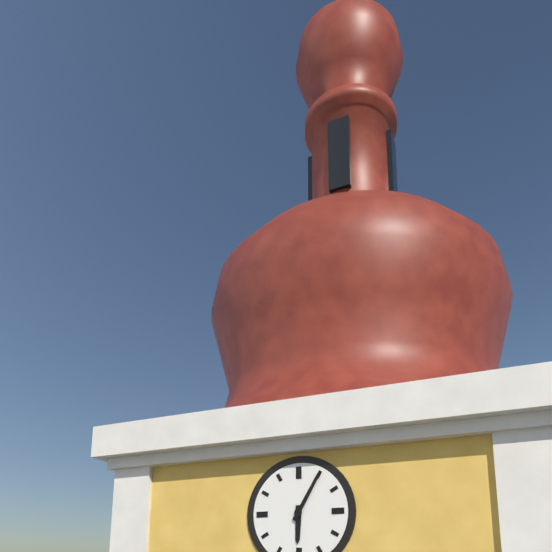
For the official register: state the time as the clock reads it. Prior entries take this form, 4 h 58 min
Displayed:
6 h 05 min
